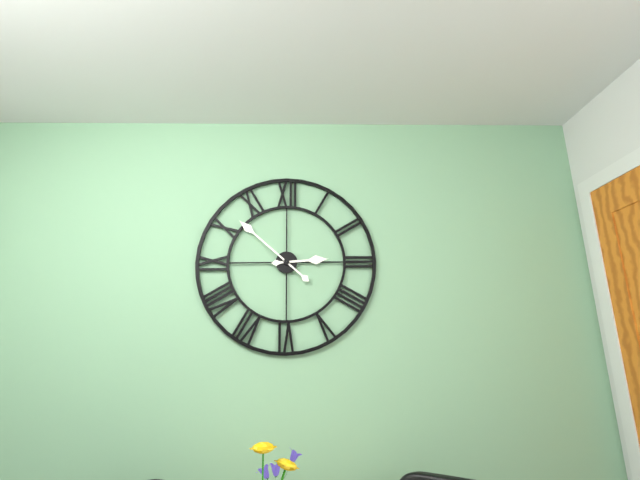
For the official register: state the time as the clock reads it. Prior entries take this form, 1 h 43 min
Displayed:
2 h 52 min
